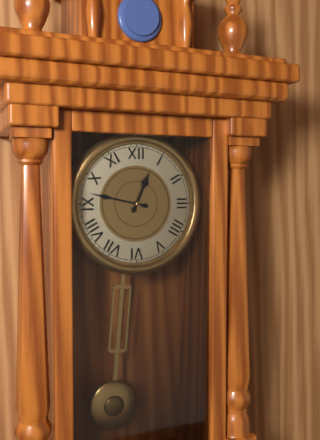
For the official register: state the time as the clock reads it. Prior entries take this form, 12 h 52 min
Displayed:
12 h 47 min
